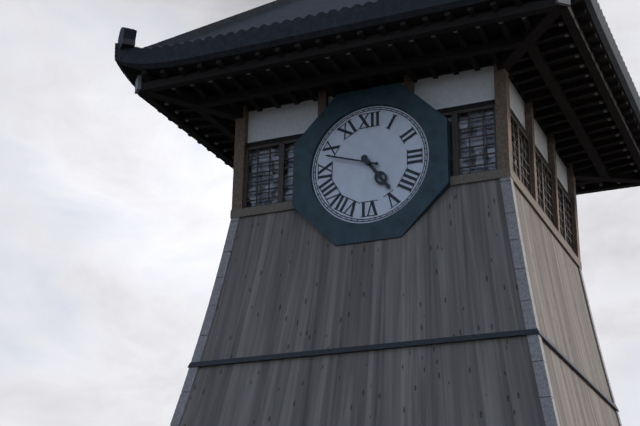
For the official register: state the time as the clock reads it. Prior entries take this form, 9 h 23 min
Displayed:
4 h 48 min
